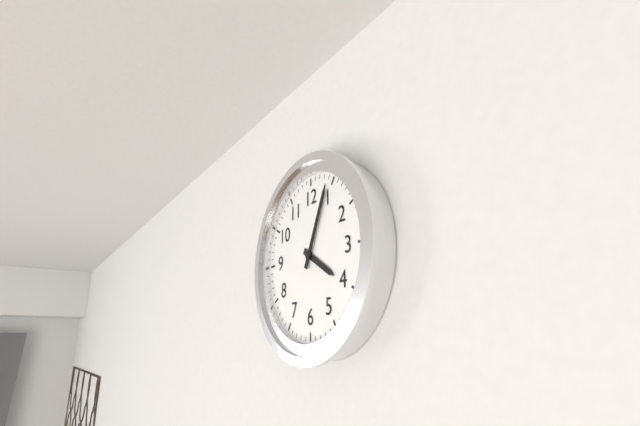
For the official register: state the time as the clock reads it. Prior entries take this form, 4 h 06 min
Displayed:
4 h 04 min
